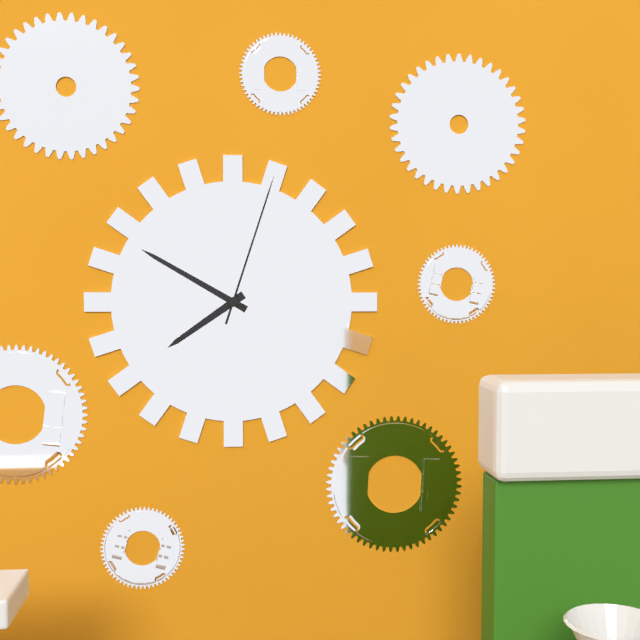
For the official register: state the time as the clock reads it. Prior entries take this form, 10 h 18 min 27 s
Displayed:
7 h 50 min 03 s
